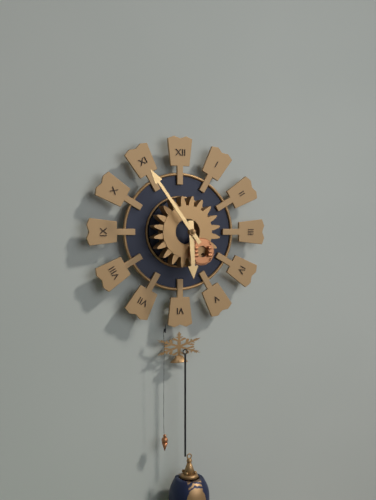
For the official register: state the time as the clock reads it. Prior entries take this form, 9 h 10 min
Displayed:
5 h 54 min
